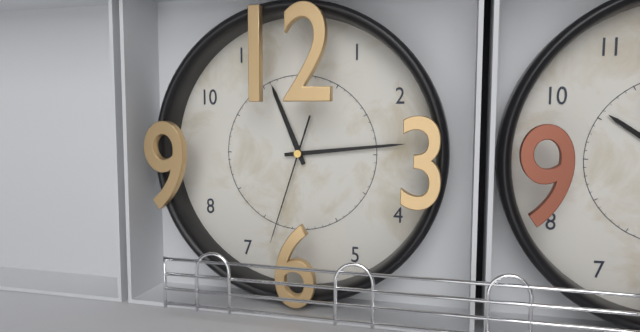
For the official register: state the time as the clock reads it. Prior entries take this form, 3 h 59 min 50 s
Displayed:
11 h 14 min 33 s
